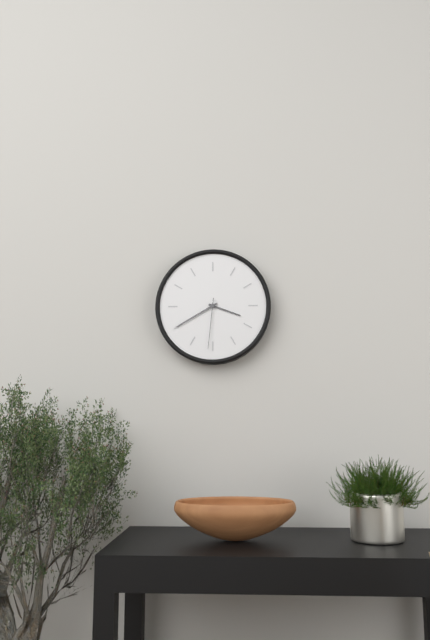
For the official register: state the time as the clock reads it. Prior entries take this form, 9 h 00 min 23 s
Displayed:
3 h 40 min 31 s
